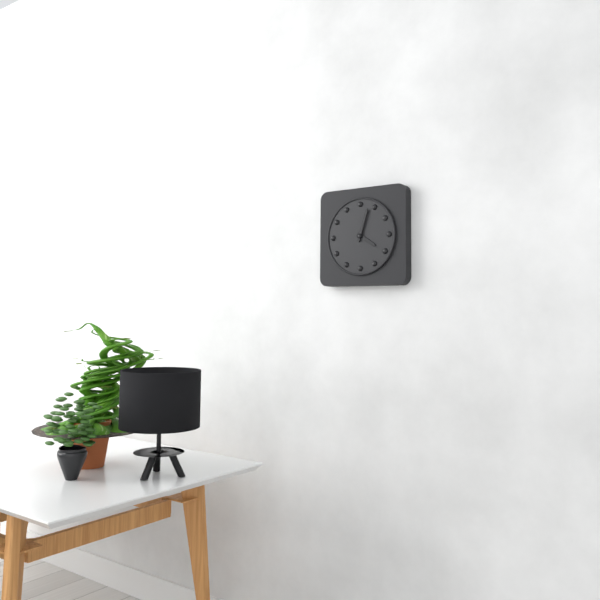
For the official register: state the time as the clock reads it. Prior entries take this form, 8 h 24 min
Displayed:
4 h 03 min
